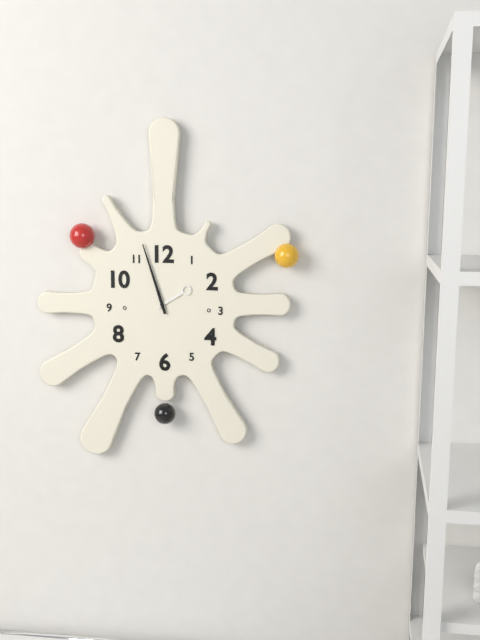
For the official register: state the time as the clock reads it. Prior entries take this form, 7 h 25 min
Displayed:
1 h 57 min
